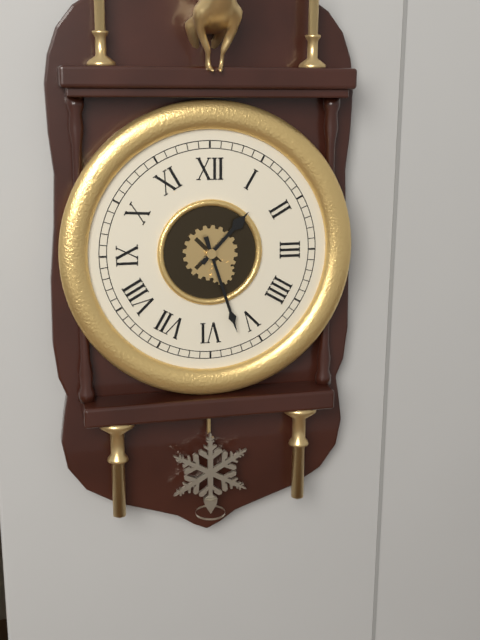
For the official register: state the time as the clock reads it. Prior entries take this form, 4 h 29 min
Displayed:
1 h 27 min
